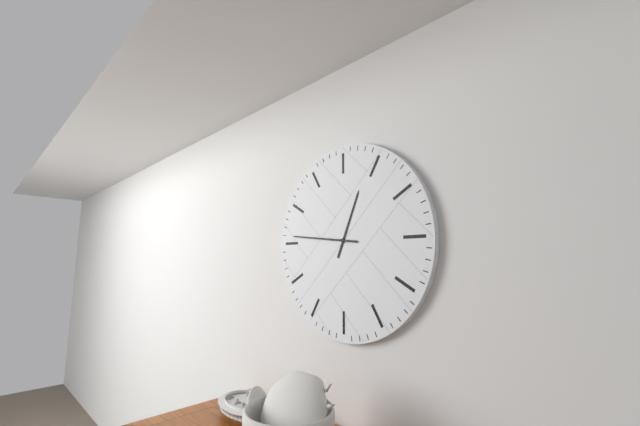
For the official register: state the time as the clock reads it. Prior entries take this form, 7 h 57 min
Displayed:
12 h 46 min
